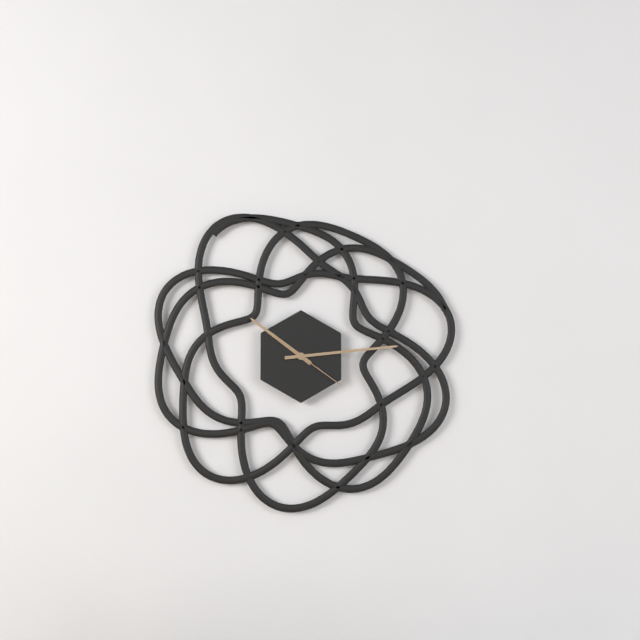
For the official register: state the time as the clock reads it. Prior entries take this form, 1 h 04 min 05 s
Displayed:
10 h 14 min 21 s
